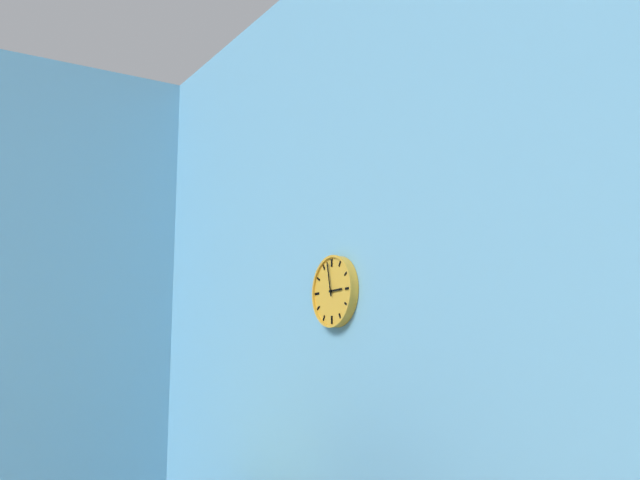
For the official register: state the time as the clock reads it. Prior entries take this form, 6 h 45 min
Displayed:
2 h 58 min
